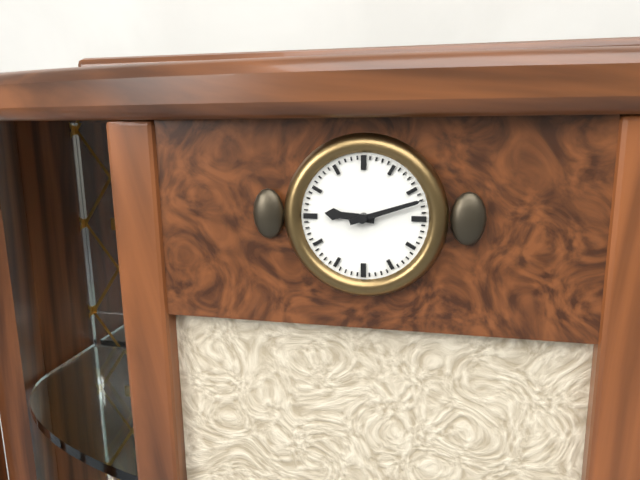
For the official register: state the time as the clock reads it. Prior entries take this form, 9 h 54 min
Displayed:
9 h 12 min
